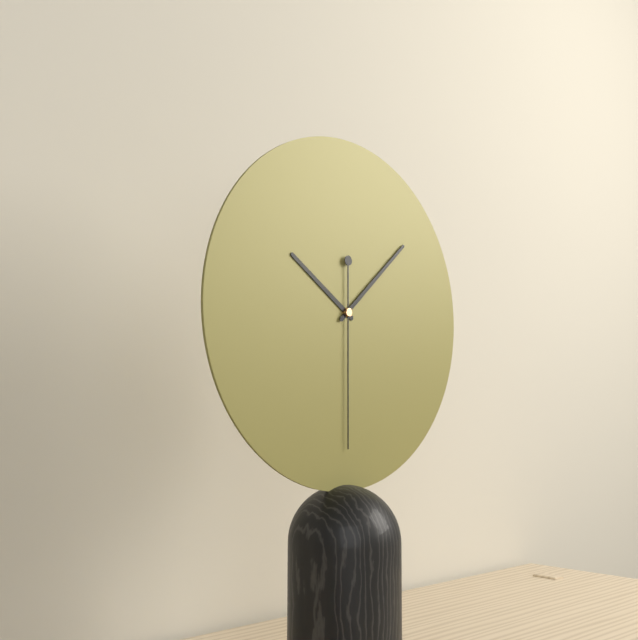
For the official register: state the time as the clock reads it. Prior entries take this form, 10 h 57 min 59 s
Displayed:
10 h 08 min 30 s
